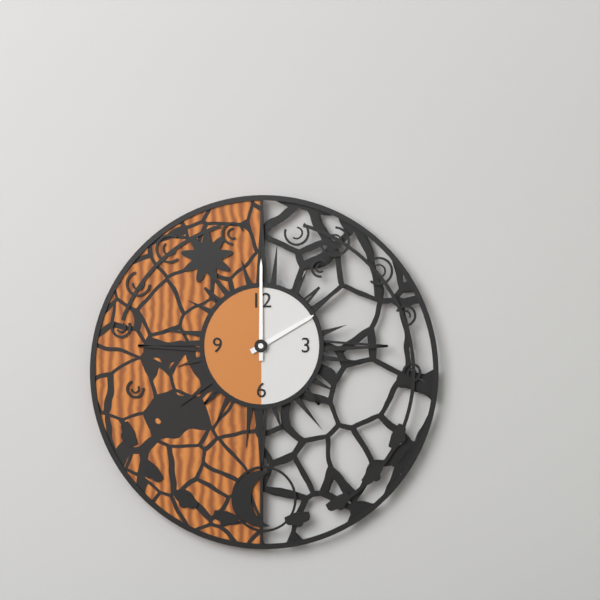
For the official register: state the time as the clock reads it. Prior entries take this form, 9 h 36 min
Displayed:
2 h 00 min
